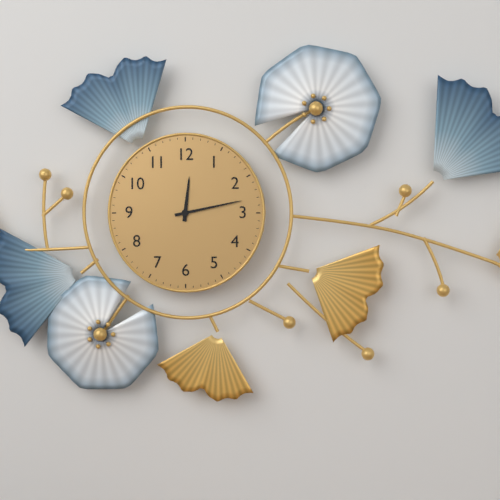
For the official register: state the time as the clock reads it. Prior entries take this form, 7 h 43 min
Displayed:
12 h 13 min
